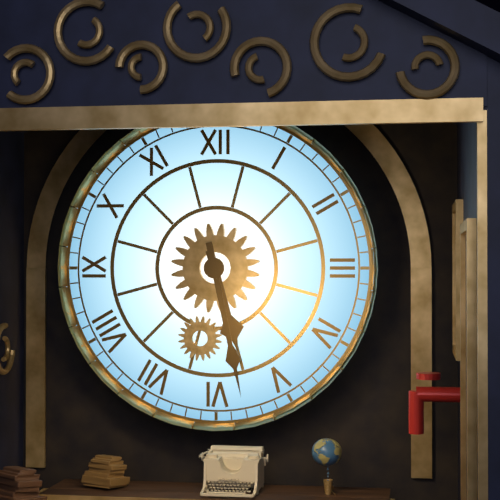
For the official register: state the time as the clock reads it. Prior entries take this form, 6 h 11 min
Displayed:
5 h 28 min
